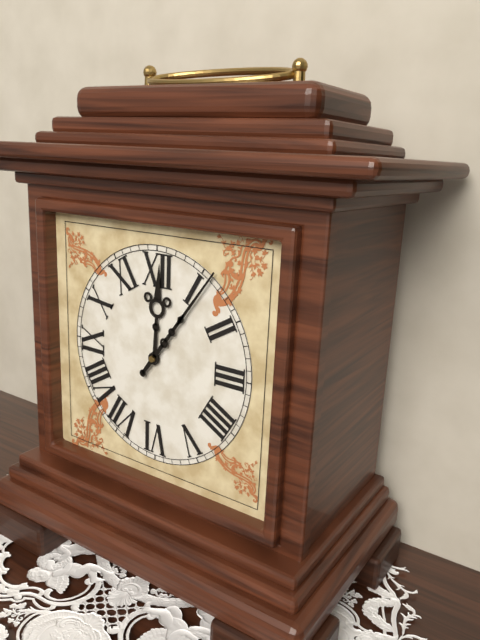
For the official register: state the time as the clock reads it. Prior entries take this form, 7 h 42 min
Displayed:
12 h 06 min
